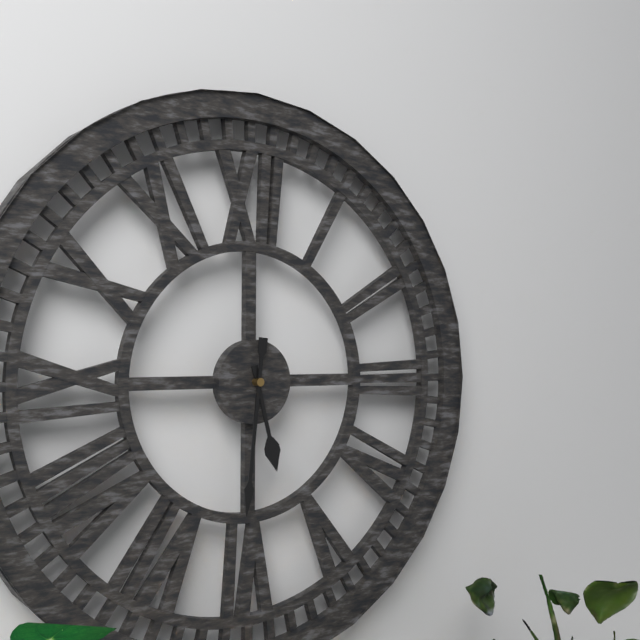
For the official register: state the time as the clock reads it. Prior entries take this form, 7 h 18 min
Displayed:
5 h 31 min
